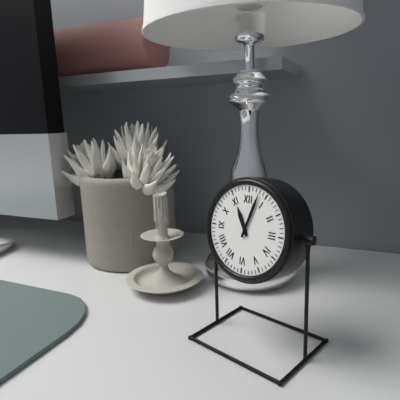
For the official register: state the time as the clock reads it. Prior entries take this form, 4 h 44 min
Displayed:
11 h 03 min
